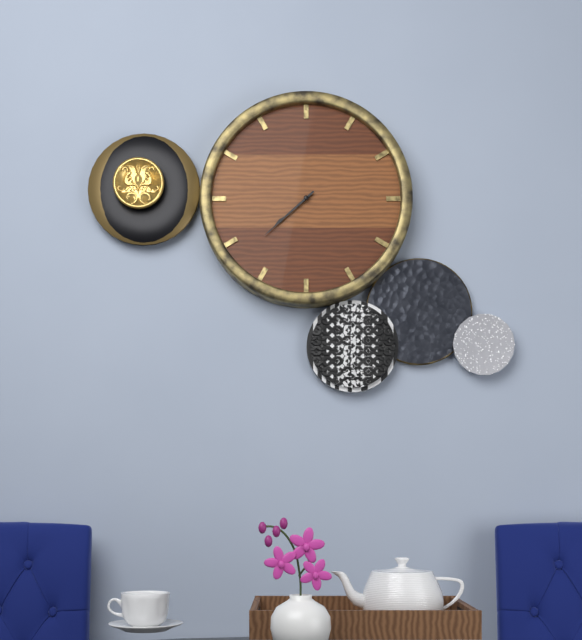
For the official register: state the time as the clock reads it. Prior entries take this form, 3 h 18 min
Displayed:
7 h 38 min
